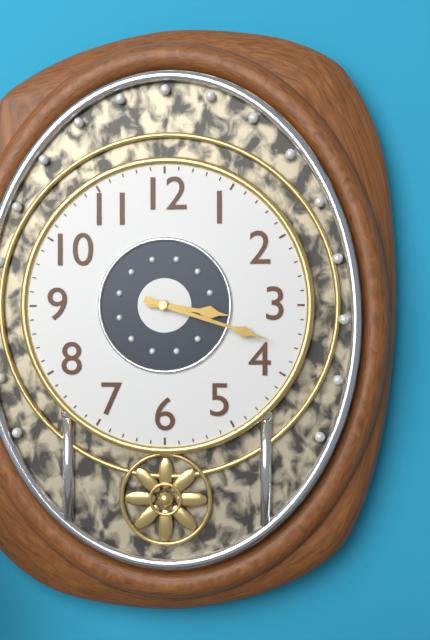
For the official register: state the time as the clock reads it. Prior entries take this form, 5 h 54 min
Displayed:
3 h 18 min
